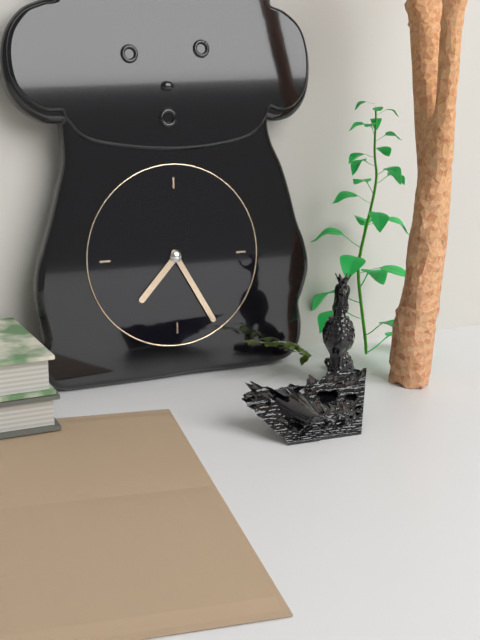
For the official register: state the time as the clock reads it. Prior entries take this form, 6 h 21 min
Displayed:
7 h 25 min
